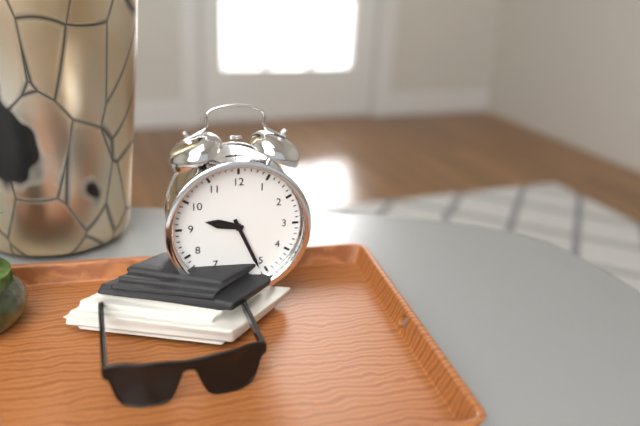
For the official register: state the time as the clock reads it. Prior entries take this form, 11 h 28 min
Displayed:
9 h 26 min
